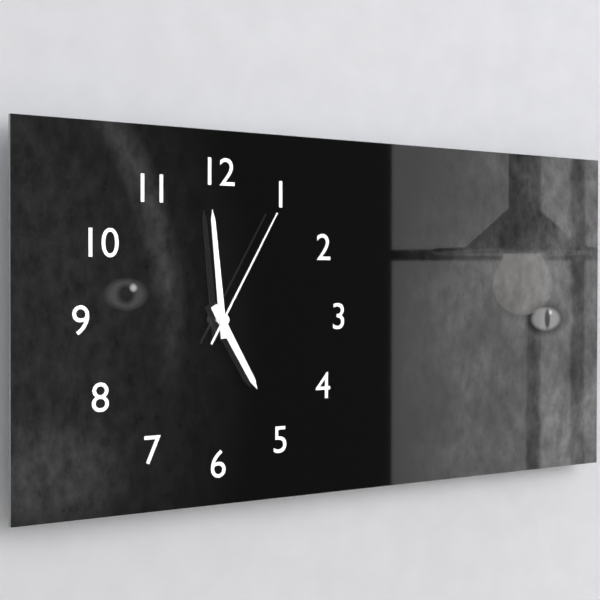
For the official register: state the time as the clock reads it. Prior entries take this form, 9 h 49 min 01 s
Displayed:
4 h 59 min 05 s
